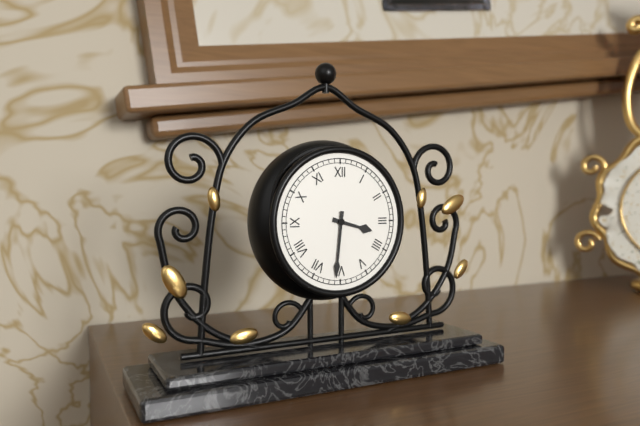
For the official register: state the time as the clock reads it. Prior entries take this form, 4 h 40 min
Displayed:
3 h 31 min
